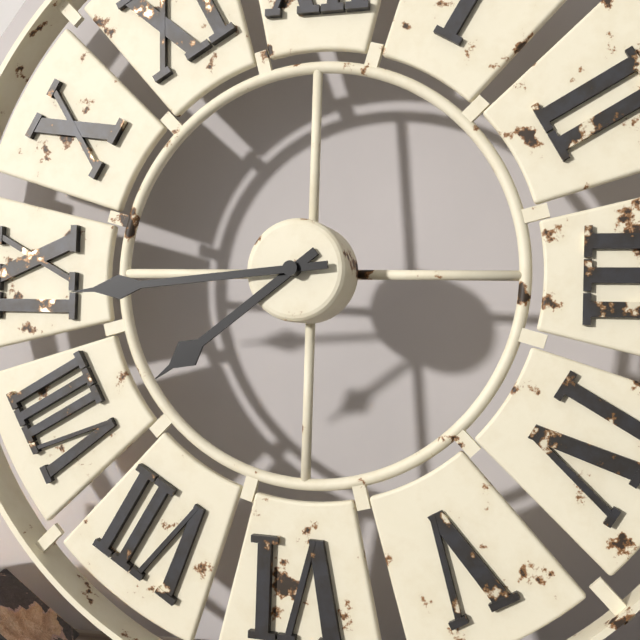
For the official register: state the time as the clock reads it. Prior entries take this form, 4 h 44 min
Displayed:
7 h 44 min
